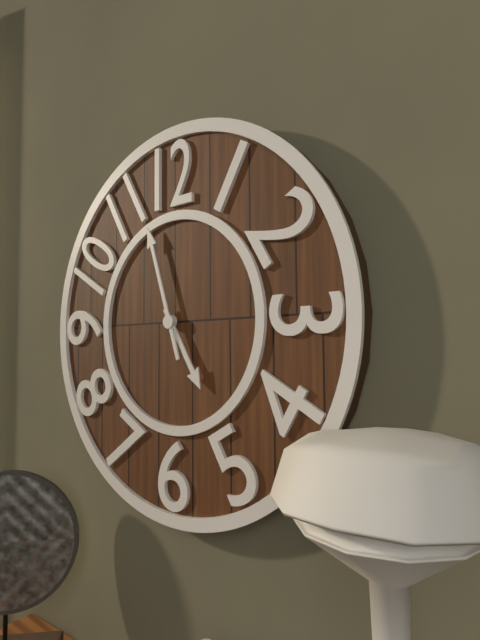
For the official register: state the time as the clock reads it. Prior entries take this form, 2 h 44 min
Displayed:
4 h 57 min
